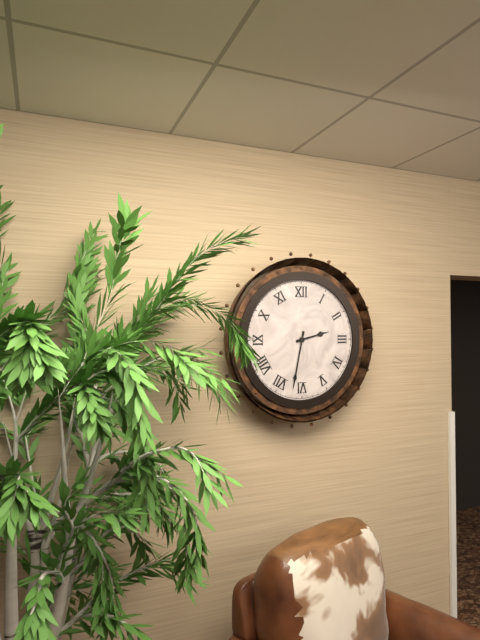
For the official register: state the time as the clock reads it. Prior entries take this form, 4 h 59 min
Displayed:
2 h 32 min
